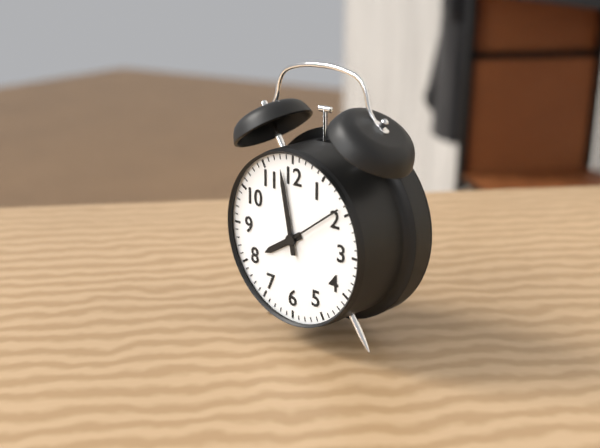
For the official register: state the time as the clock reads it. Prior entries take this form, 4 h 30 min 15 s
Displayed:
7 h 58 min 09 s
